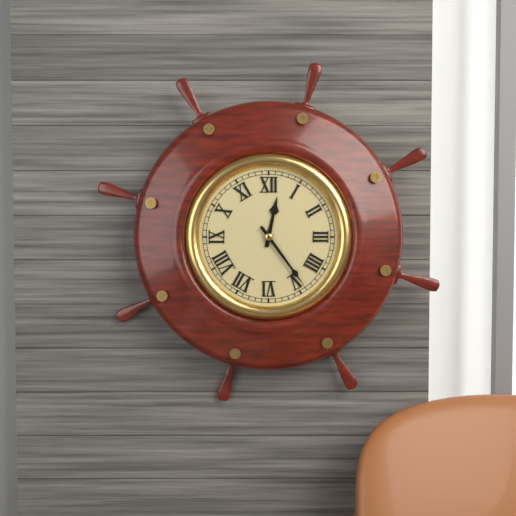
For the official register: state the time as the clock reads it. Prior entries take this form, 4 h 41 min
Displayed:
12 h 24 min
